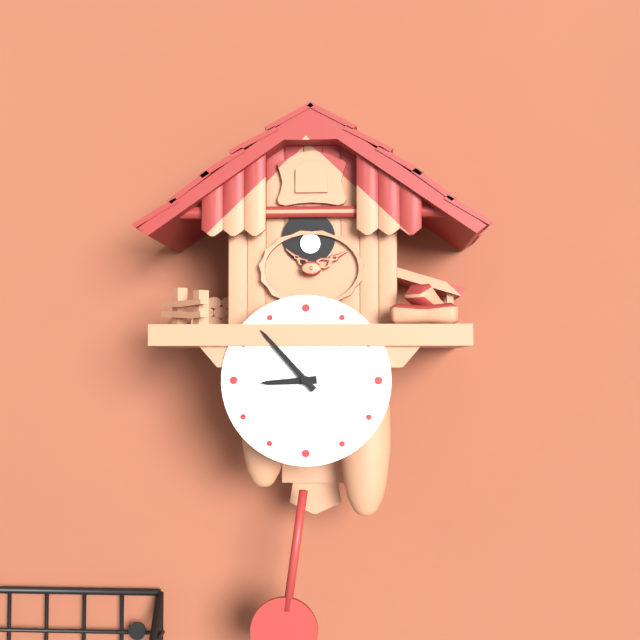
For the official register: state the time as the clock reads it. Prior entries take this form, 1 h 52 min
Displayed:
8 h 53 min
